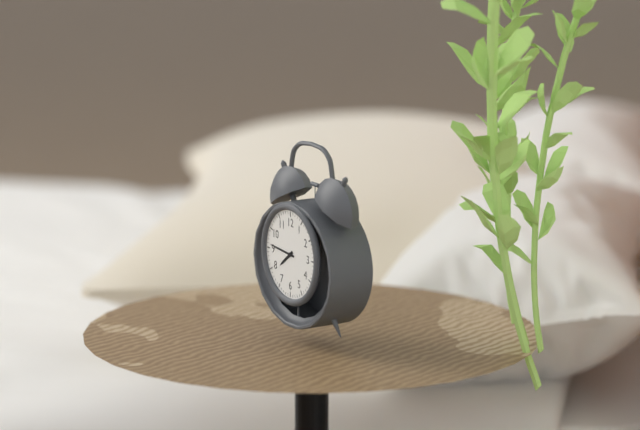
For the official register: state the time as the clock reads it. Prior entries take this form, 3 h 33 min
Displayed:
7 h 46 min
